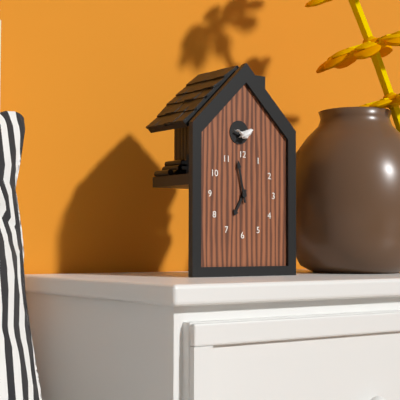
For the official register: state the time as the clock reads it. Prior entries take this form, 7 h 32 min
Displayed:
6 h 58 min
